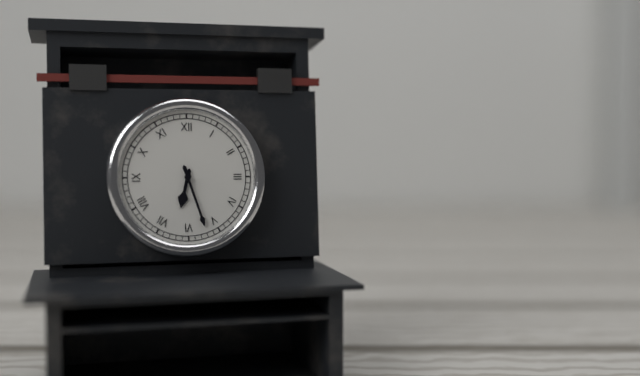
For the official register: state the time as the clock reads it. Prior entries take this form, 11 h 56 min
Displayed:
6 h 27 min
